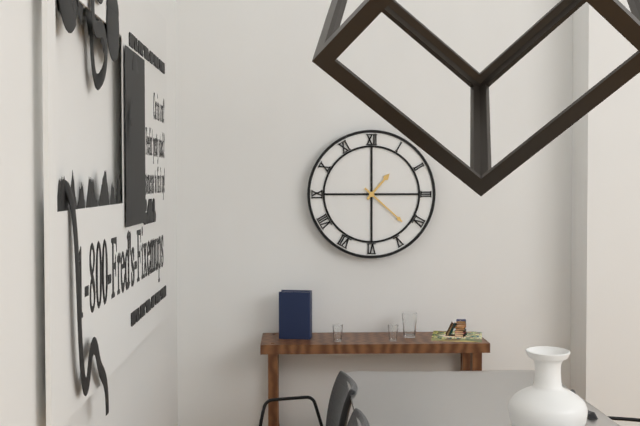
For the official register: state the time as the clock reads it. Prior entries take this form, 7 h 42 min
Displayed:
1 h 22 min
